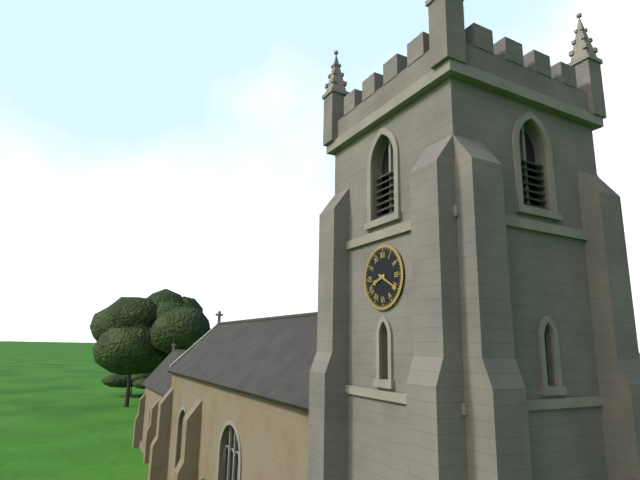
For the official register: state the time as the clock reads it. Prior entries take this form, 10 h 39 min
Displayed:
8 h 20 min
